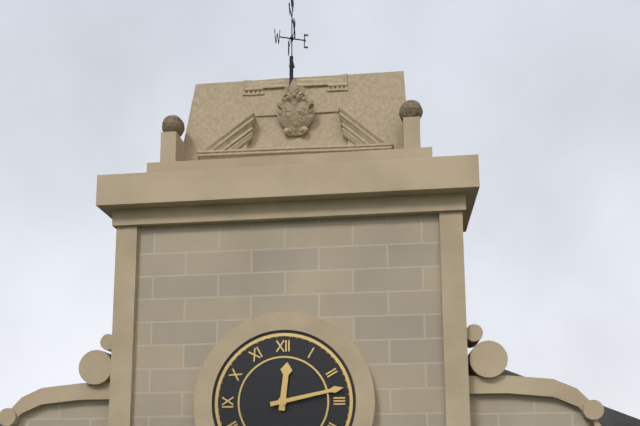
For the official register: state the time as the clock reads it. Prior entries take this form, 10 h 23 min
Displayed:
12 h 13 min
